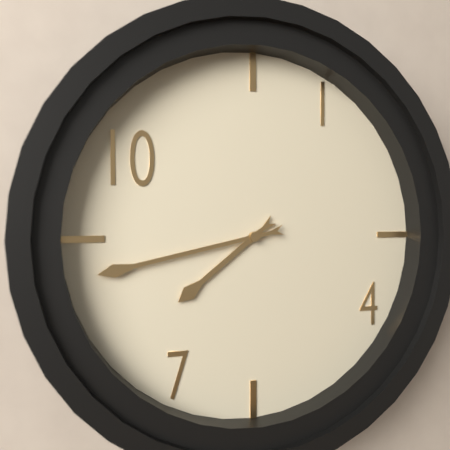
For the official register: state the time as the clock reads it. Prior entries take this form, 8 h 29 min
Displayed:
7 h 43 min
